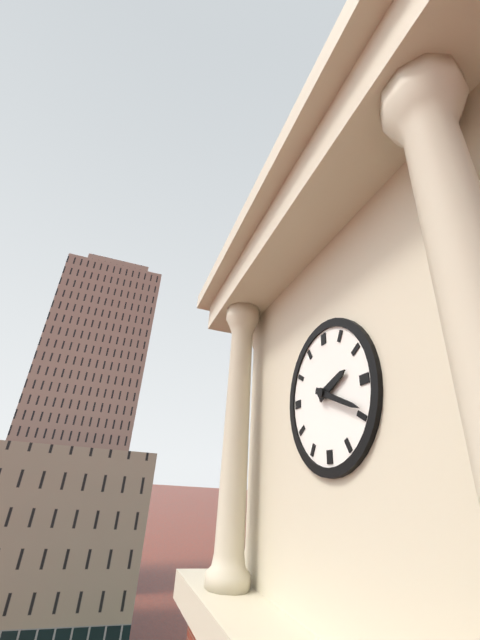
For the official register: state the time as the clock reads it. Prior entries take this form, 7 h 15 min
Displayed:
2 h 19 min
